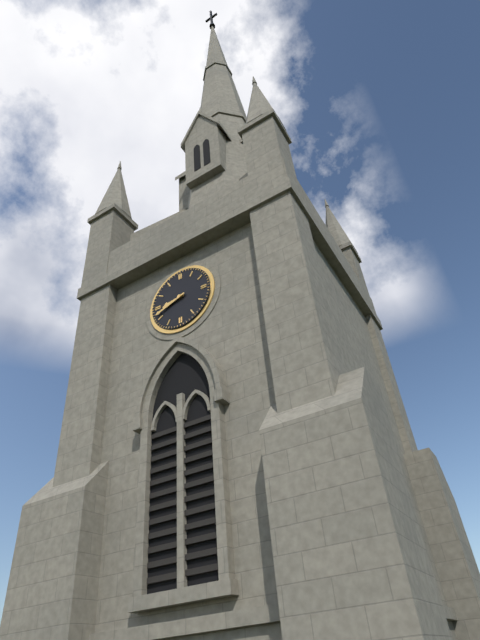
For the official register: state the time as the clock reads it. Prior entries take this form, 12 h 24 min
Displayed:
8 h 42 min
